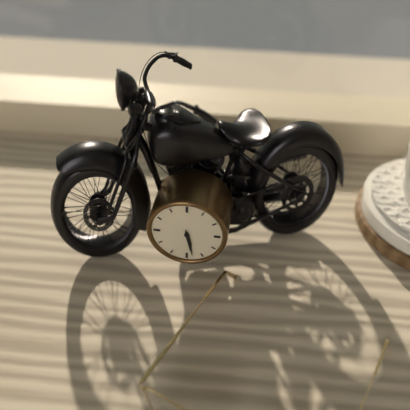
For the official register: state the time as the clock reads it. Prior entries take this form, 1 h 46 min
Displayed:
5 h 28 min
